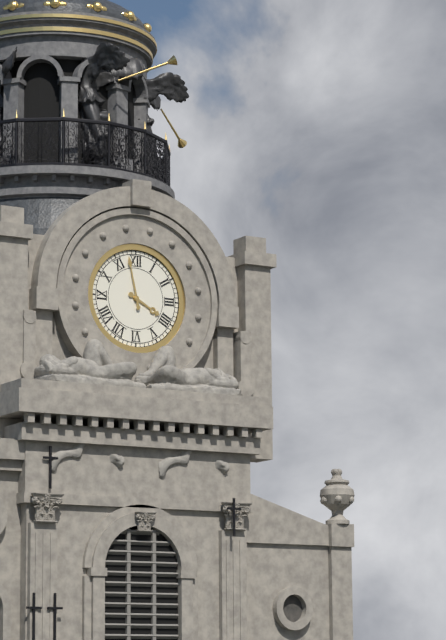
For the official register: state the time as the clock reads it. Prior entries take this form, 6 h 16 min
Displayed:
3 h 58 min
